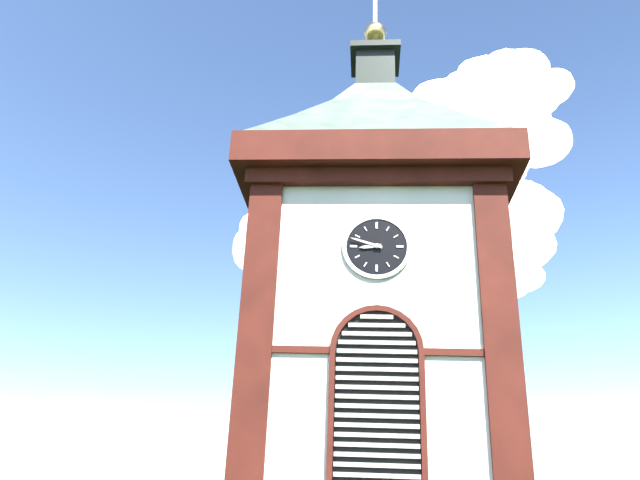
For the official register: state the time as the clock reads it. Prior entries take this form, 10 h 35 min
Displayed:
8 h 48 min
